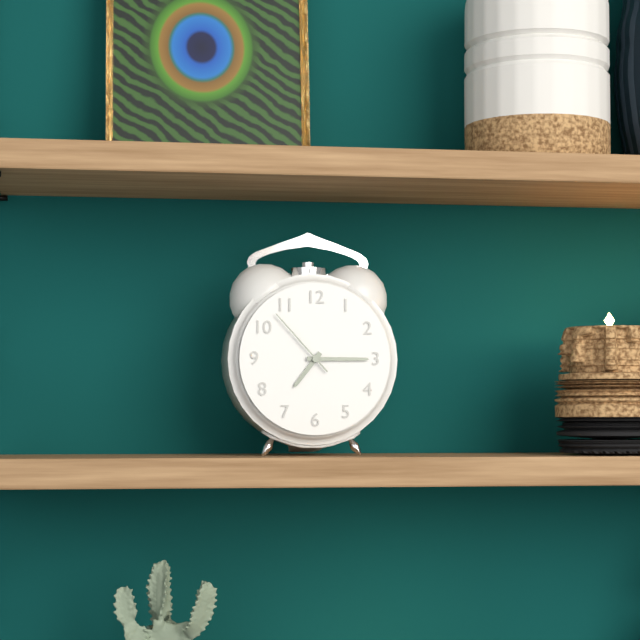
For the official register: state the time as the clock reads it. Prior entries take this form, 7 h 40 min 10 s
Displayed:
7 h 15 min 53 s
